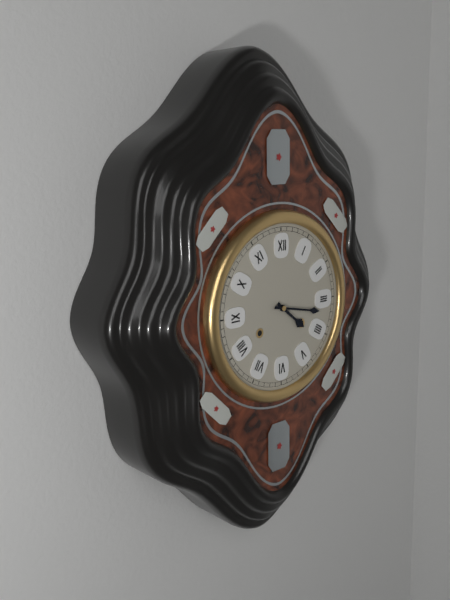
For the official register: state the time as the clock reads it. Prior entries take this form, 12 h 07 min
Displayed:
4 h 17 min
